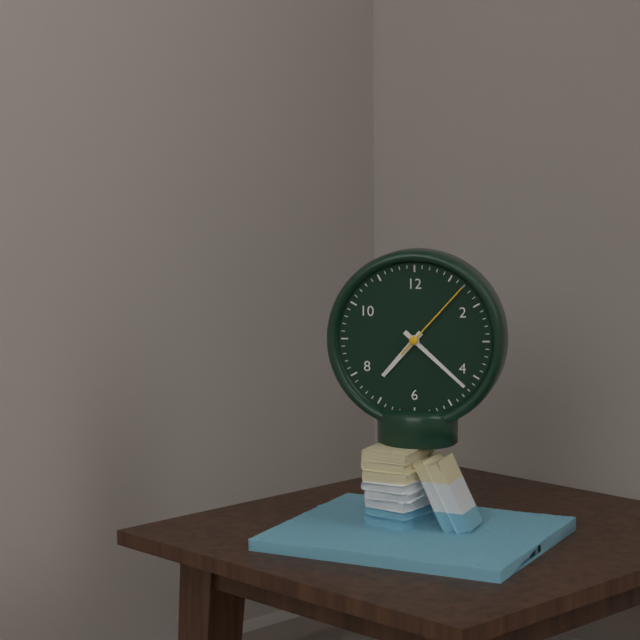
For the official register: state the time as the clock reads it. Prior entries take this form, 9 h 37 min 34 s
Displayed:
7 h 22 min 07 s
